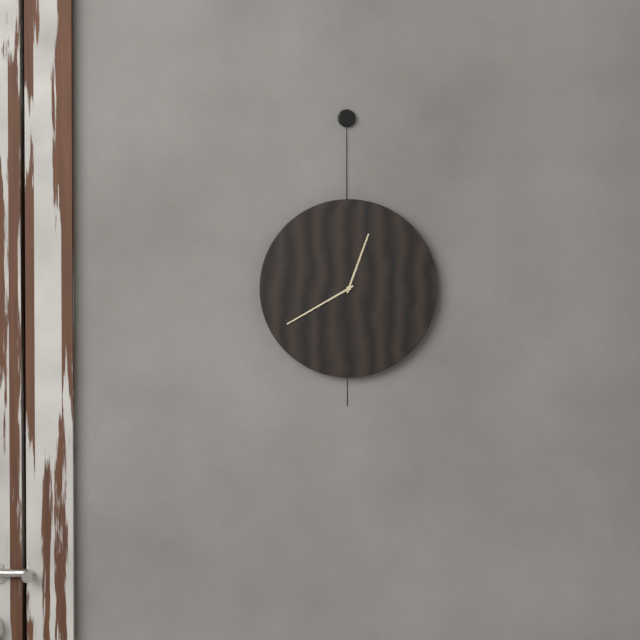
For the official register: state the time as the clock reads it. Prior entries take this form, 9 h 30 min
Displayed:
12 h 40 min
